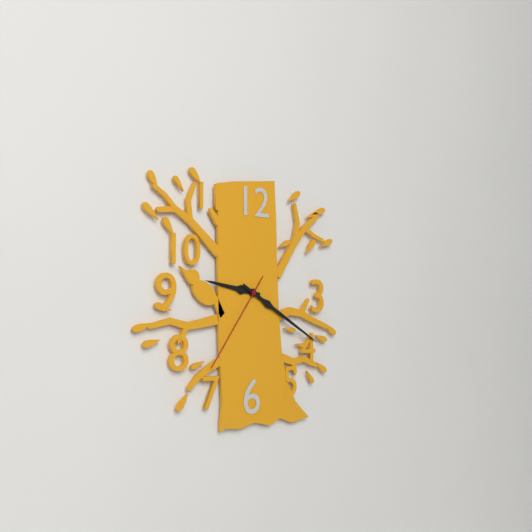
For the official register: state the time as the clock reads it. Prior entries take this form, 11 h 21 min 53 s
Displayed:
9 h 20 min 36 s
